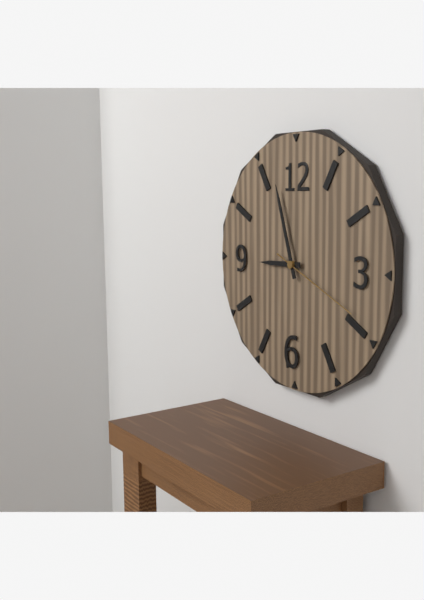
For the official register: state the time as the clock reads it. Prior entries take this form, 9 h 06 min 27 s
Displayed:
8 h 57 min 19 s
